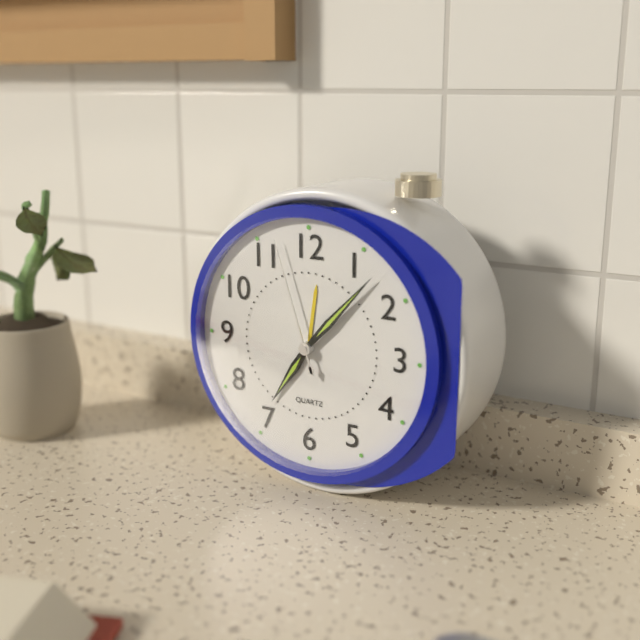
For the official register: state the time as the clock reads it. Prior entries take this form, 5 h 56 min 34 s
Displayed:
7 h 07 min 57 s
